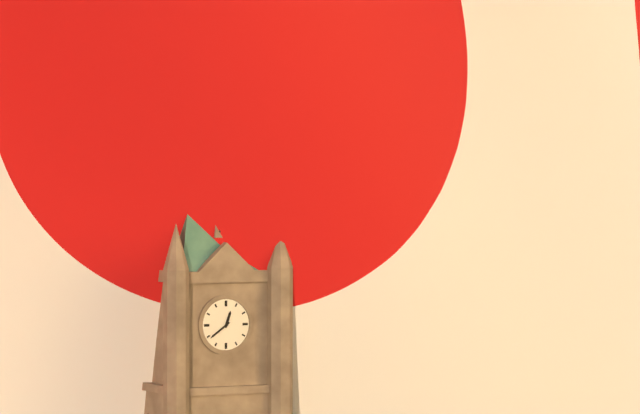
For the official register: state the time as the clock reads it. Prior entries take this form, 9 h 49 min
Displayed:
12 h 39 min
